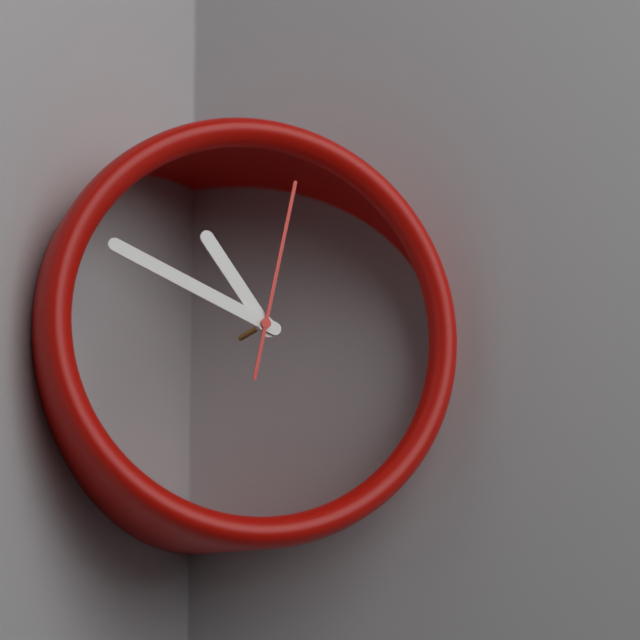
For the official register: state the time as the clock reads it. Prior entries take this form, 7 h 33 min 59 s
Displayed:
10 h 49 min 02 s
